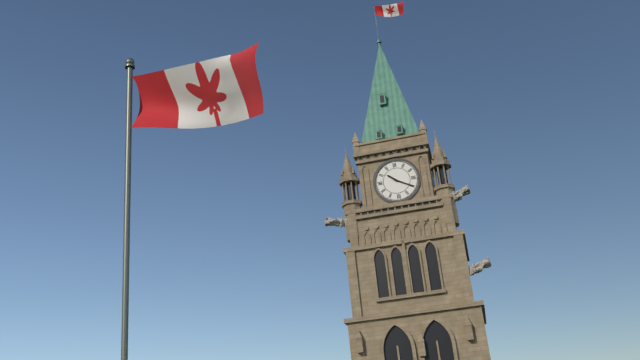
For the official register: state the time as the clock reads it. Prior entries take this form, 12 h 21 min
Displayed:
10 h 20 min
